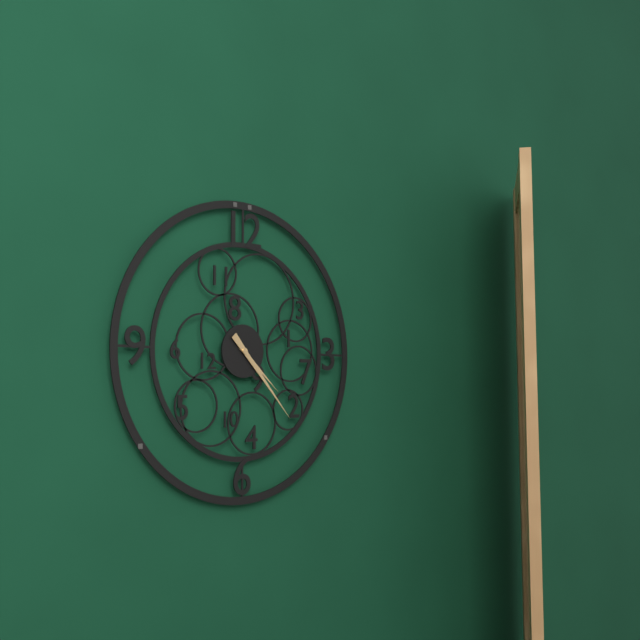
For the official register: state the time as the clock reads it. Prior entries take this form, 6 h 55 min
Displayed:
4 h 23 min
